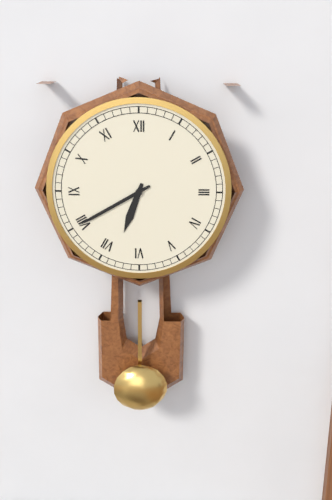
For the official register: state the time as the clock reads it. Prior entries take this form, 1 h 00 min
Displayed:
6 h 40 min
